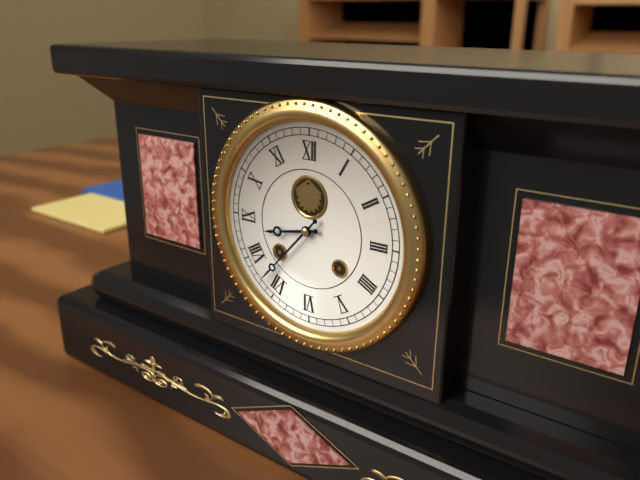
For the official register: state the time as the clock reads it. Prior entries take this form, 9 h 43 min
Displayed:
8 h 37 min
